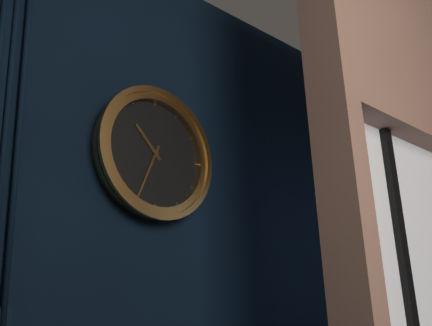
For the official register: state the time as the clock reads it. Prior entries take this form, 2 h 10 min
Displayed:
10 h 34 min
